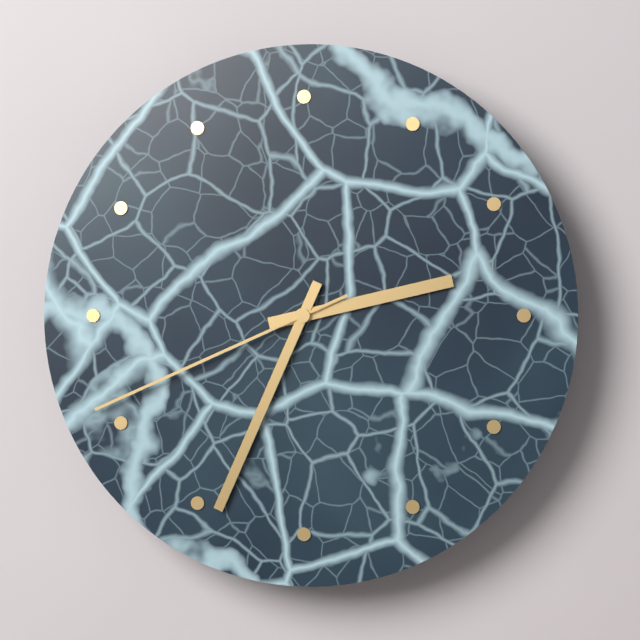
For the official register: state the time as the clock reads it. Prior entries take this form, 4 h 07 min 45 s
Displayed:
2 h 34 min 41 s
